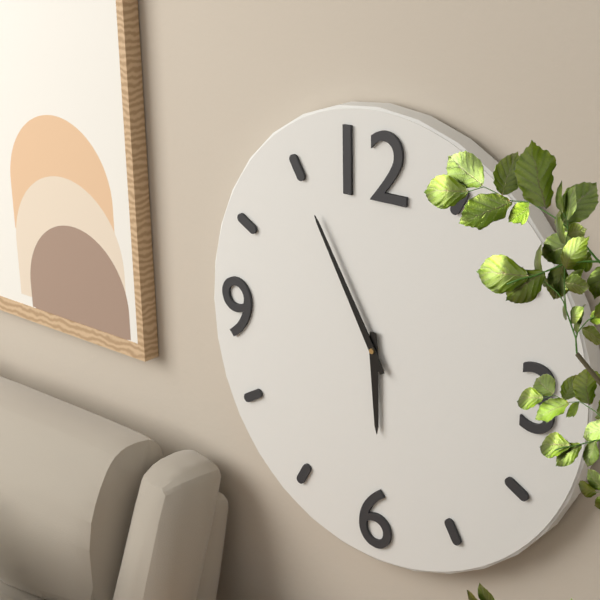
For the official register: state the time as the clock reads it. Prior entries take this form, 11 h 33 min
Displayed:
5 h 55 min
